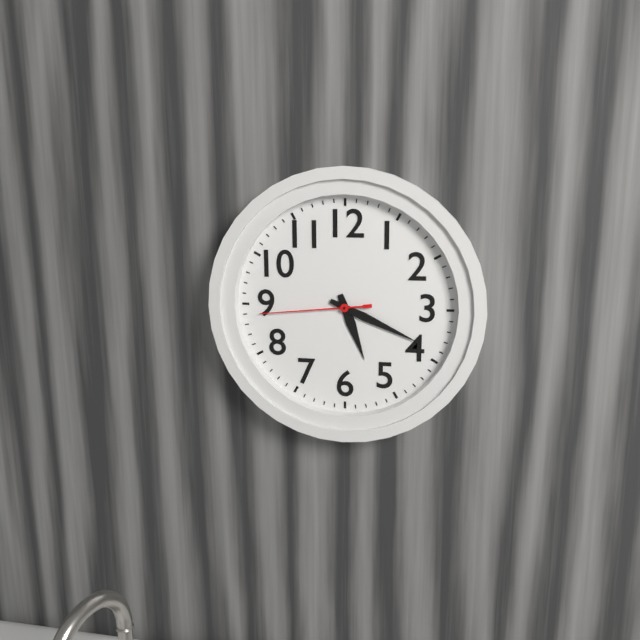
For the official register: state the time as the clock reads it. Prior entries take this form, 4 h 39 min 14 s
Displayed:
5 h 19 min 44 s
